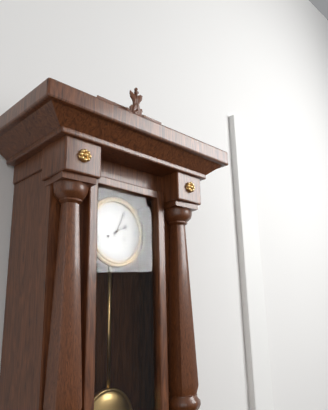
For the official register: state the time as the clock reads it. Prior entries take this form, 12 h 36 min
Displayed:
2 h 04 min
